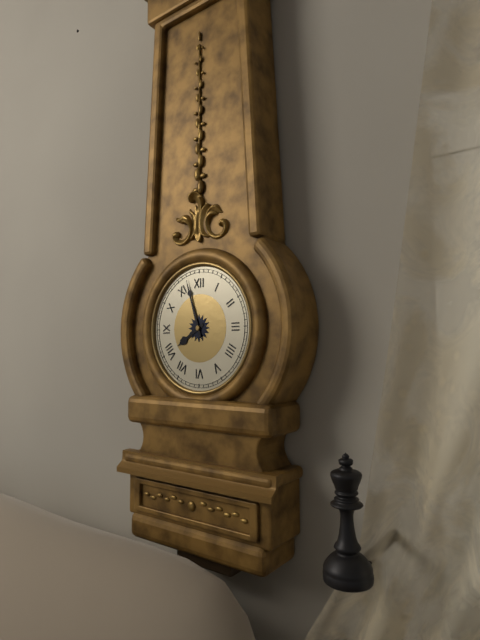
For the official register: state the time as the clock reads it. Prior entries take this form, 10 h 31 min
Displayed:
7 h 57 min
